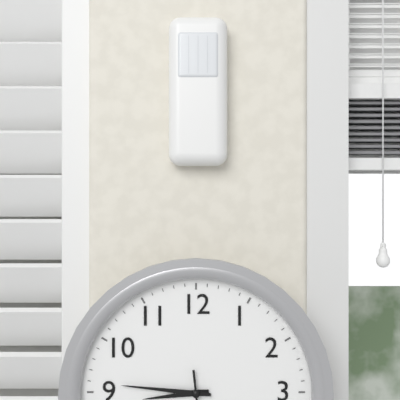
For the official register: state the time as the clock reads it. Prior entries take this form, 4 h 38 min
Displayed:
8 h 46 min
